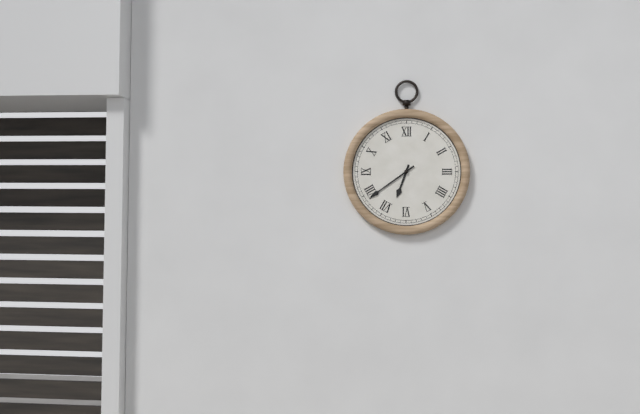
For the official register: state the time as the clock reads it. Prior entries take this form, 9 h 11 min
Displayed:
6 h 39 min
